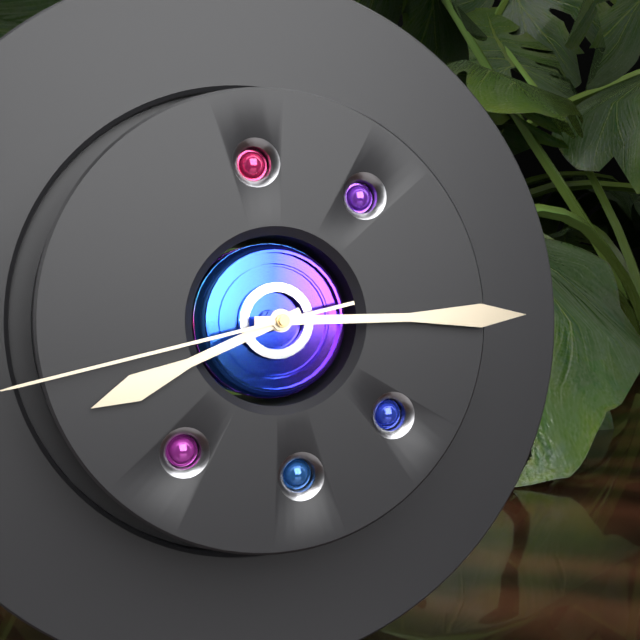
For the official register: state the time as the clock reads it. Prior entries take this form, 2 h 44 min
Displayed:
8 h 15 min
